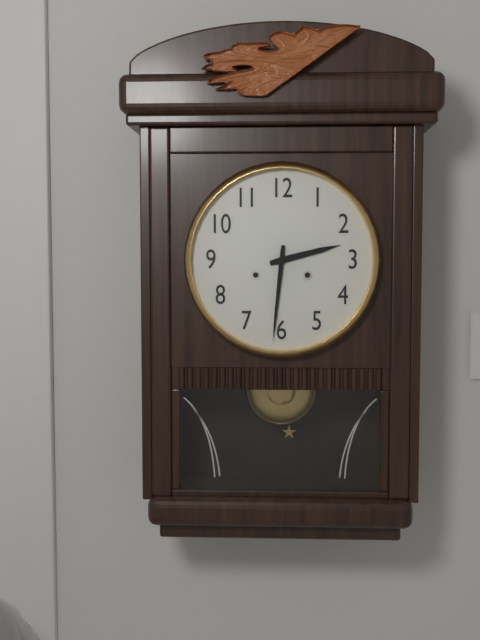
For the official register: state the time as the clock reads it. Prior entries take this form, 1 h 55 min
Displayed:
2 h 31 min
